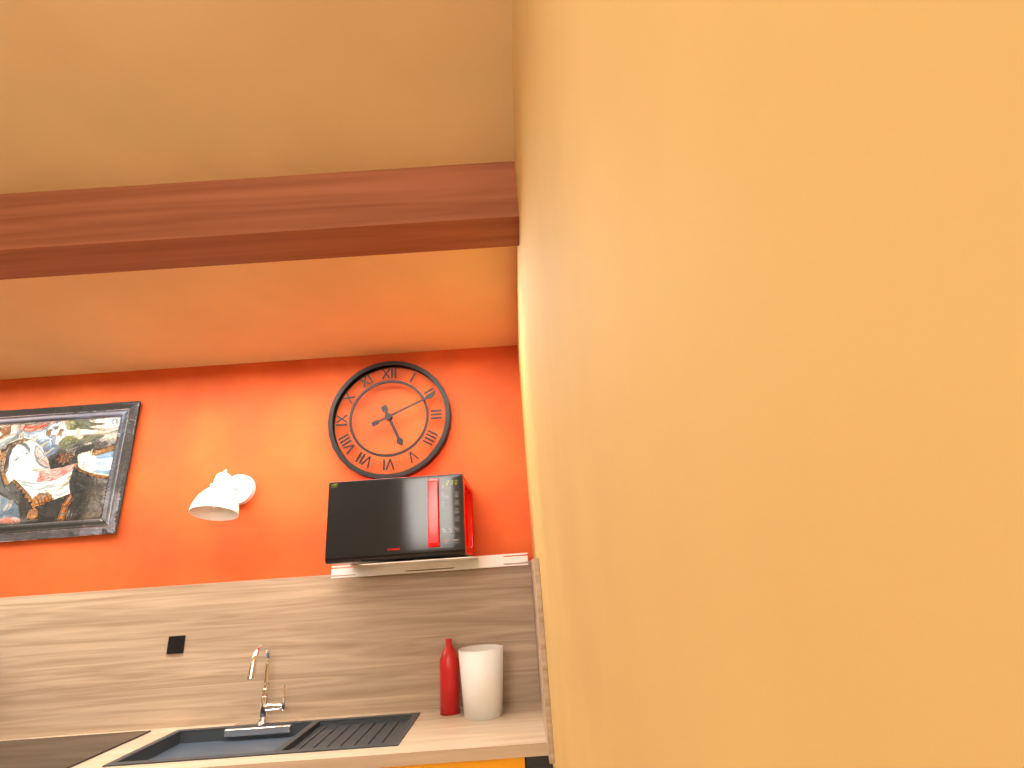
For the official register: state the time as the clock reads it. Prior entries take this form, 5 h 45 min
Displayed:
5 h 11 min
